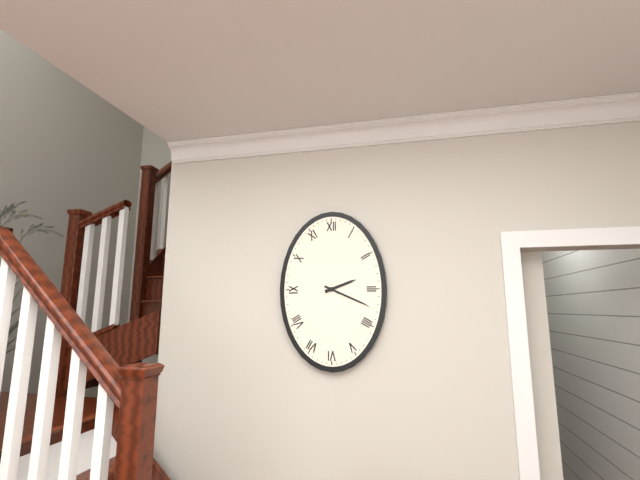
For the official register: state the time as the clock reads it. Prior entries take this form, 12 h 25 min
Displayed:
2 h 19 min
